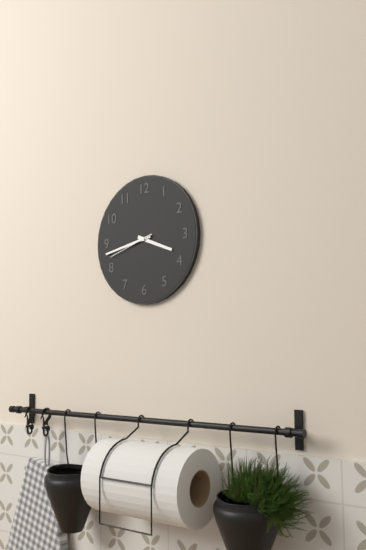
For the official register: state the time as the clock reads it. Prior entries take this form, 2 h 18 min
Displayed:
3 h 43 min
